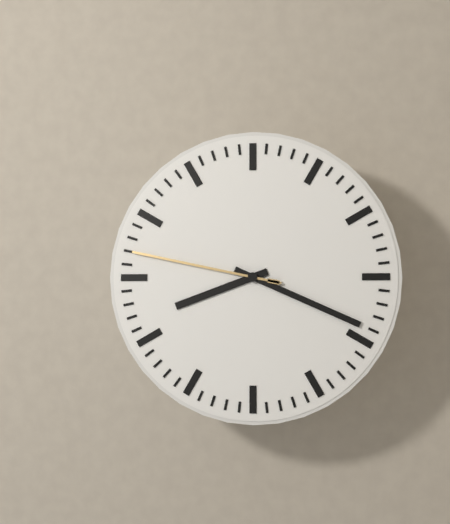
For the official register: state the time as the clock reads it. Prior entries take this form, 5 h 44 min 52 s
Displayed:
8 h 19 min 47 s
